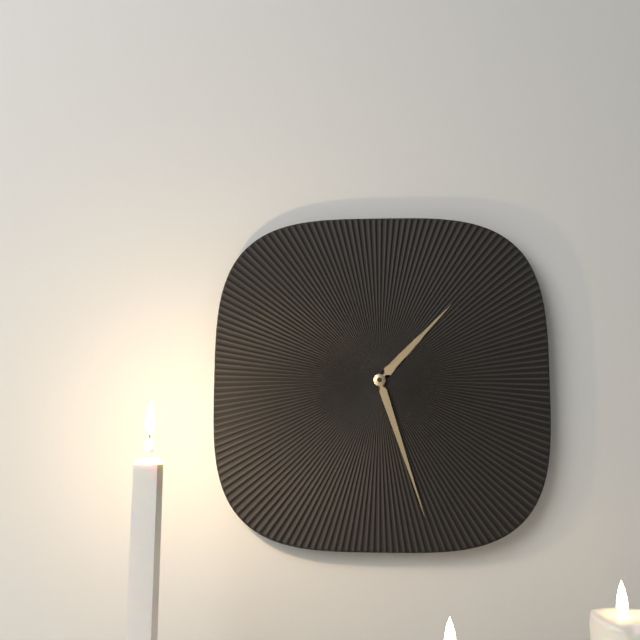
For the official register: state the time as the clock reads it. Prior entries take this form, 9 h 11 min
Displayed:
1 h 27 min
